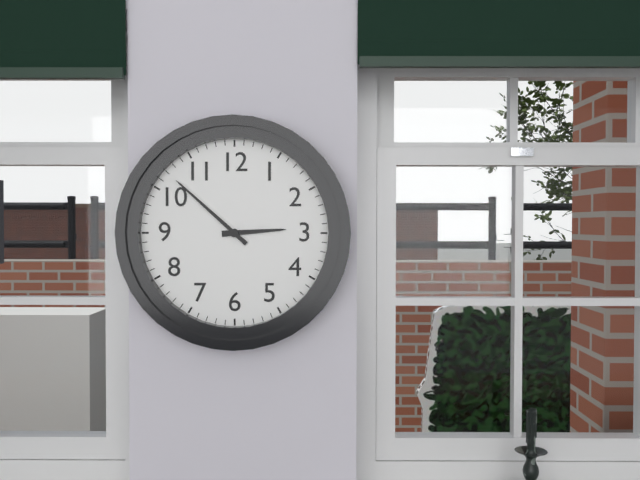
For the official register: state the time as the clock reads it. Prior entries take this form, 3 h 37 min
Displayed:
2 h 52 min
